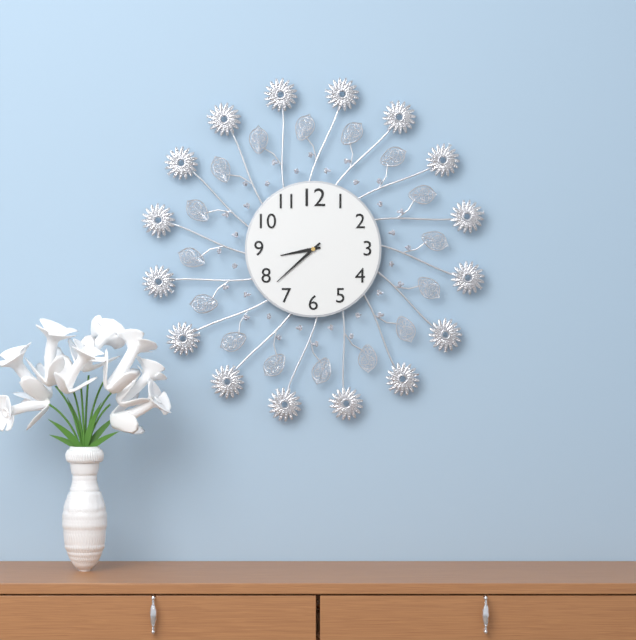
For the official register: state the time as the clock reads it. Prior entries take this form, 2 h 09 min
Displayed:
8 h 38 min
